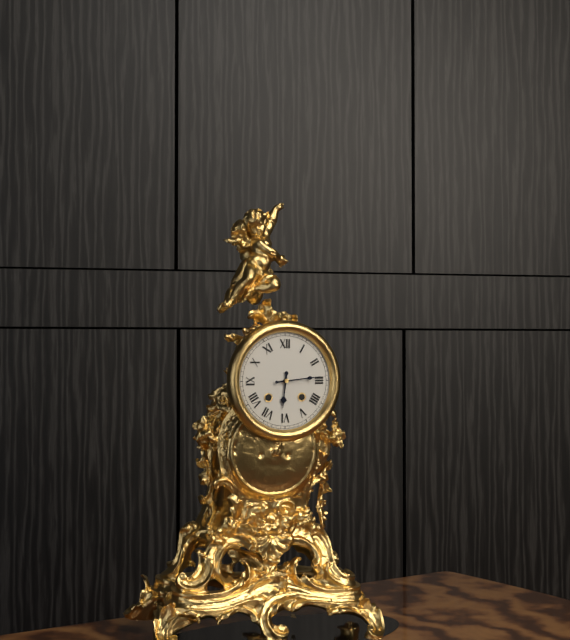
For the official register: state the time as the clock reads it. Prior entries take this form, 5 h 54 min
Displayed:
6 h 14 min
